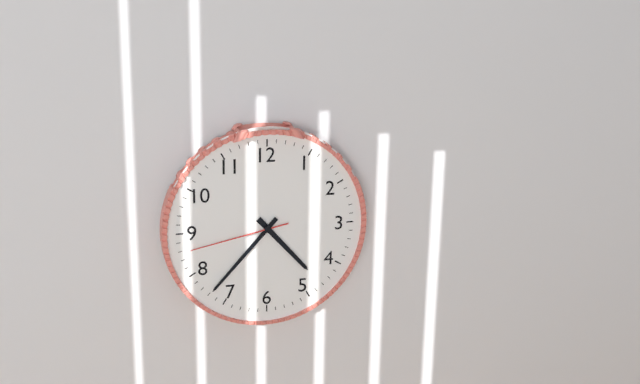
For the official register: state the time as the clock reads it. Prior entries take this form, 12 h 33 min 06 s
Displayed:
4 h 37 min 43 s
